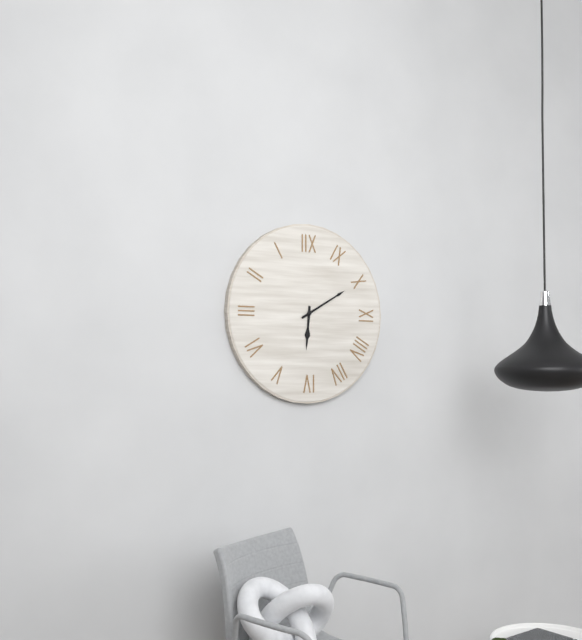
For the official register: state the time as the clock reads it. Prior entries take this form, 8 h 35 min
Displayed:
6 h 10 min
